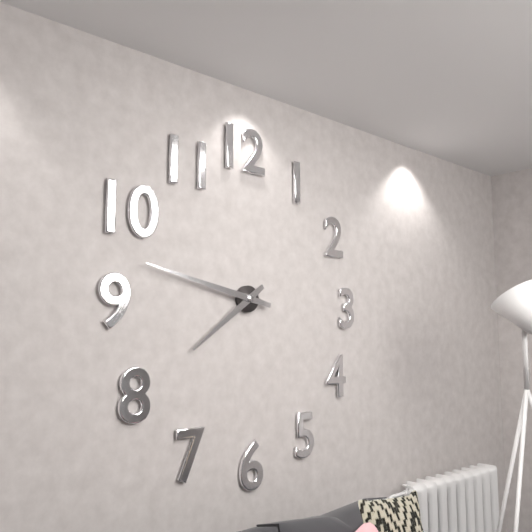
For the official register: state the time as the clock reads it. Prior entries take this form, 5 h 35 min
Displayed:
7 h 47 min
